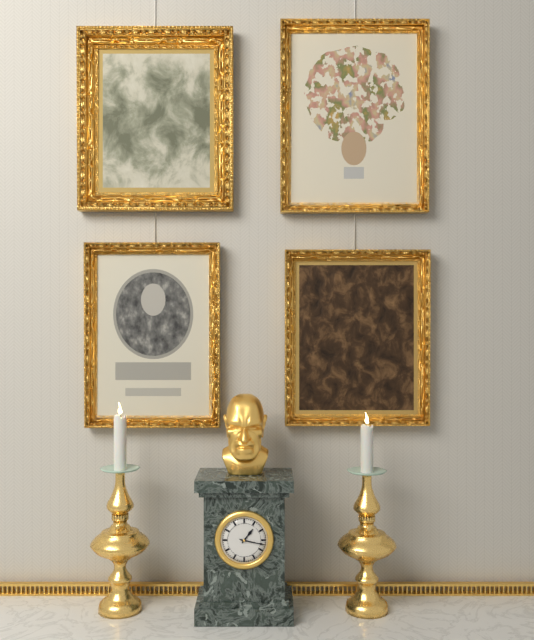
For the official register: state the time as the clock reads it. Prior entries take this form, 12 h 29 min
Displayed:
1 h 17 min
